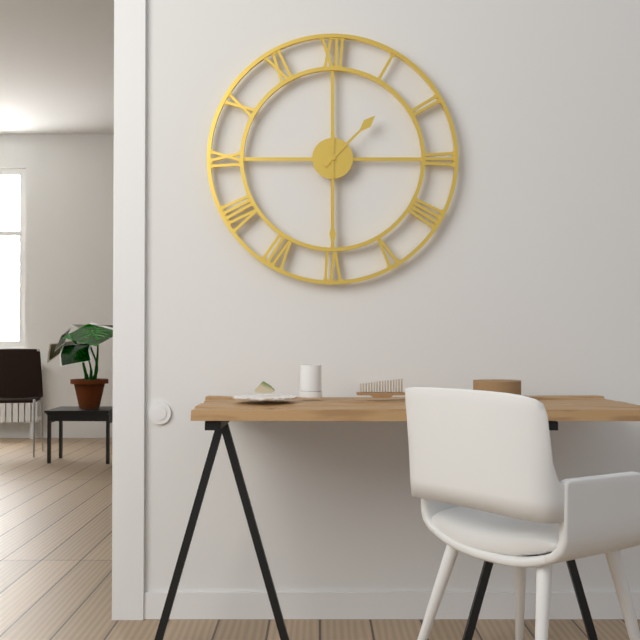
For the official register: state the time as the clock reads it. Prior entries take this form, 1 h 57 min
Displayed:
1 h 30 min
